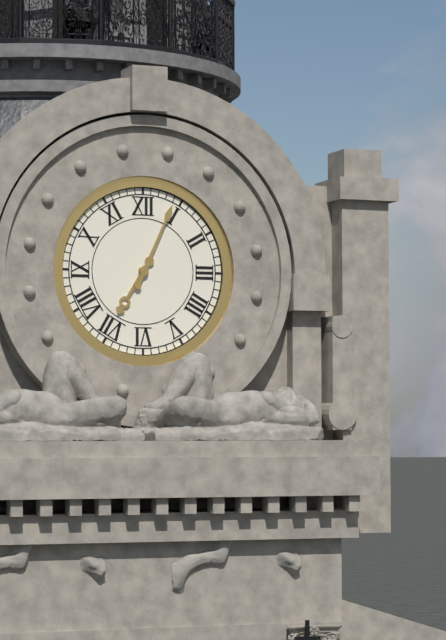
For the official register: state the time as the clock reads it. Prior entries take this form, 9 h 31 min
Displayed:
7 h 04 min
